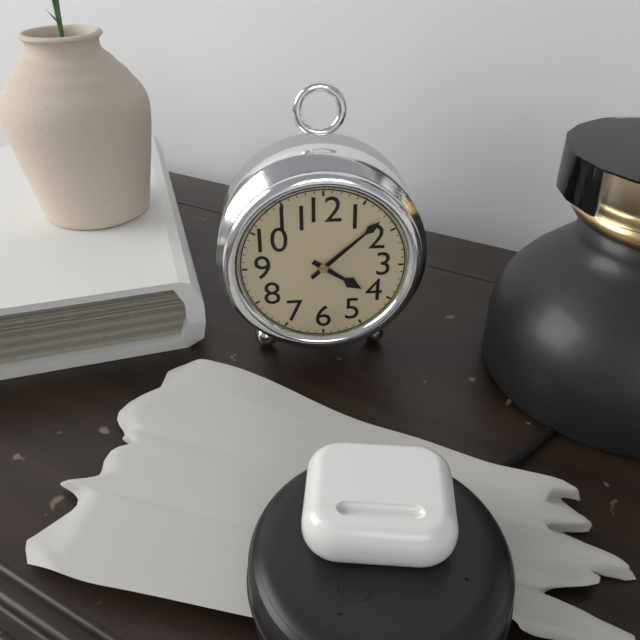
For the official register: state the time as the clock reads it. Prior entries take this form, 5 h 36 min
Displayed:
4 h 08 min
